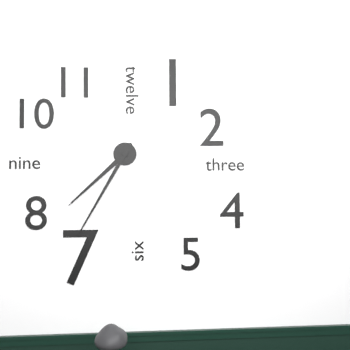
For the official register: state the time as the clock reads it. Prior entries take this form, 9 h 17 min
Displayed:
7 h 35 min
